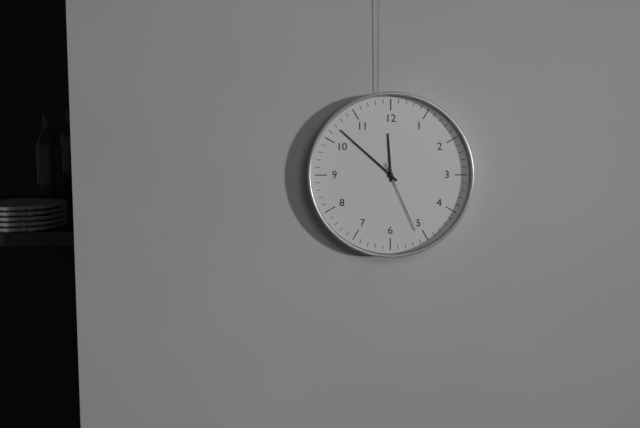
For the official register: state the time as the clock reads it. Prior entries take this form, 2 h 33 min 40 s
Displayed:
11 h 52 min 26 s
